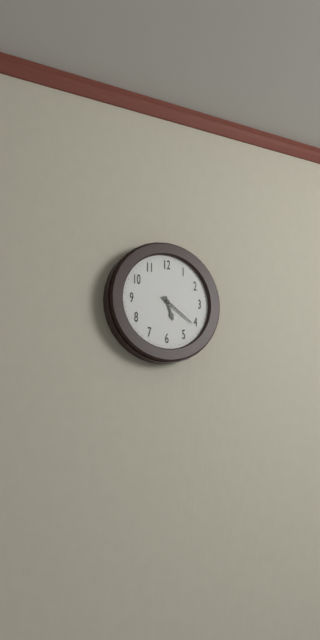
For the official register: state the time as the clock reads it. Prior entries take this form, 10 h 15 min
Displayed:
5 h 21 min
